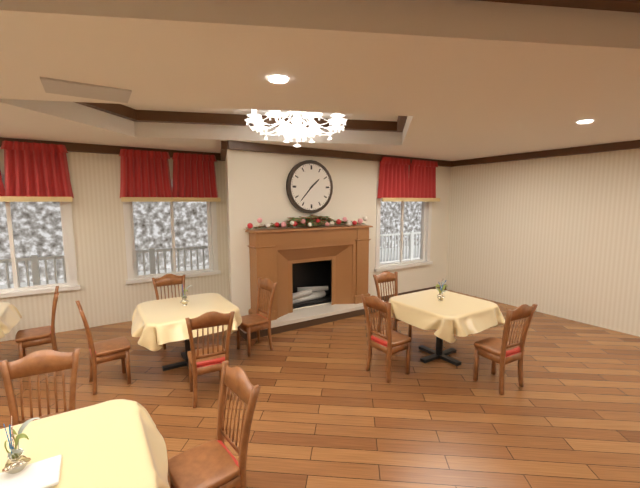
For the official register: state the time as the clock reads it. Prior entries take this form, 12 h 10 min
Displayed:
1 h 37 min
